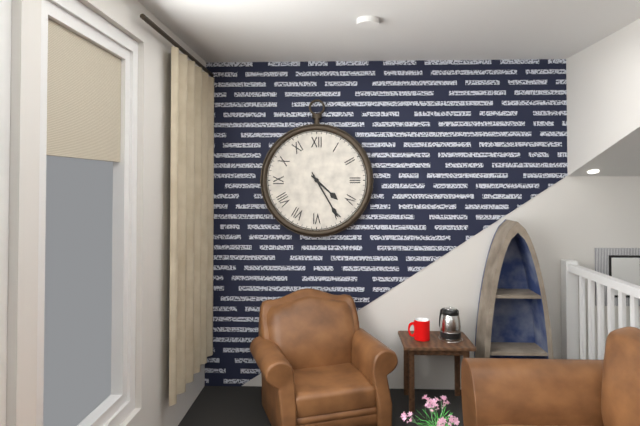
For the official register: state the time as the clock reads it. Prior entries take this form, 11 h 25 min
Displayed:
4 h 25 min
